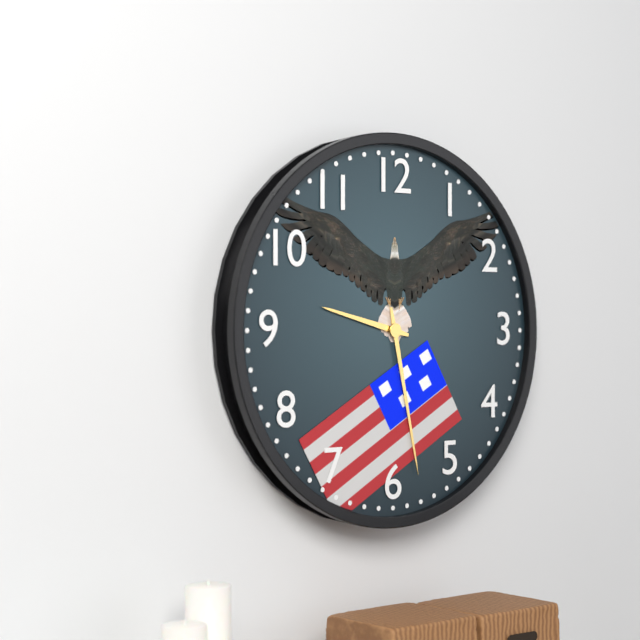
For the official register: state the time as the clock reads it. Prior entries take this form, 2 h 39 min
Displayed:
9 h 28 min
